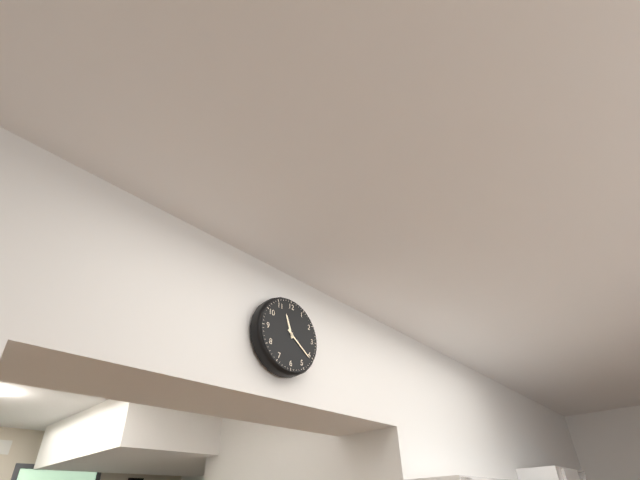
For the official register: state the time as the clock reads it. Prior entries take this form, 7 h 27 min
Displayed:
11 h 21 min
